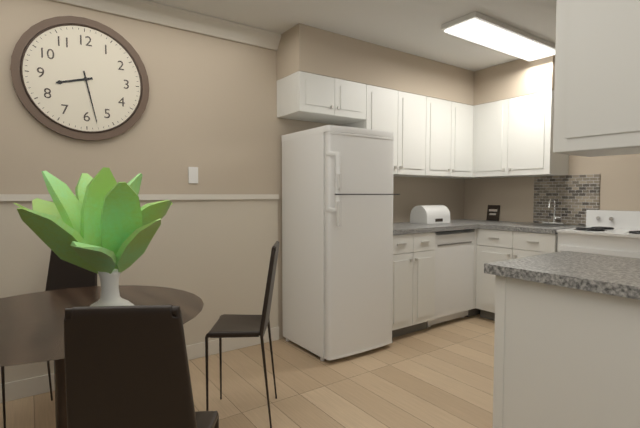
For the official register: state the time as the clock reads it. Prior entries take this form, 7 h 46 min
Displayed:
8 h 28 min
